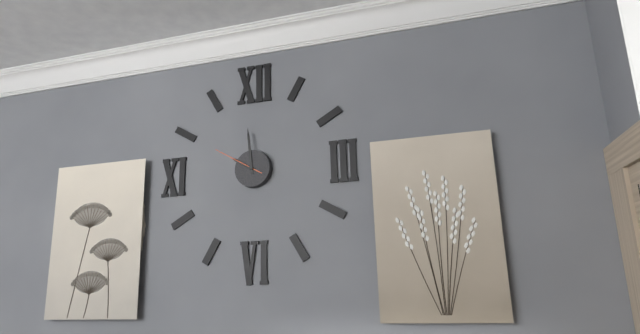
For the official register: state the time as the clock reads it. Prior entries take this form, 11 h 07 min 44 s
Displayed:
9 h 59 min 50 s
